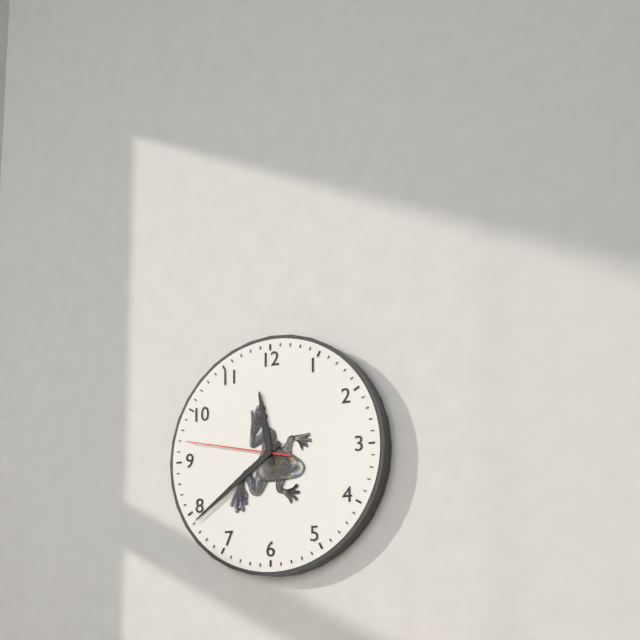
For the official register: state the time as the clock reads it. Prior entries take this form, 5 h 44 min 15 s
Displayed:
11 h 39 min 47 s
